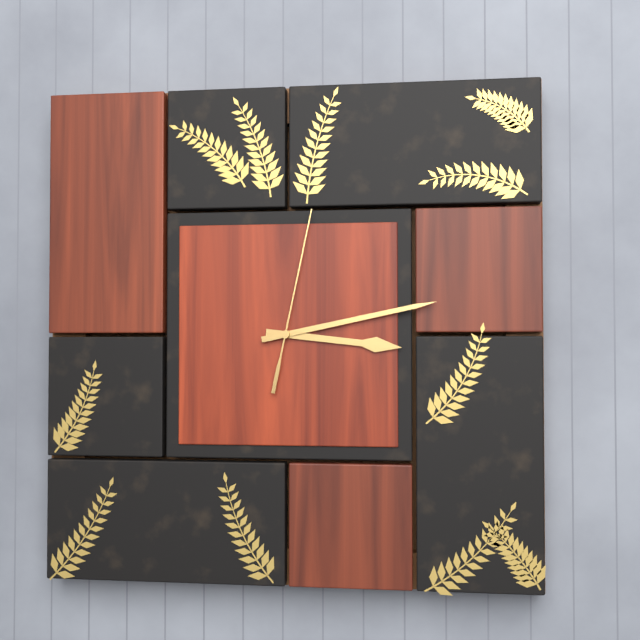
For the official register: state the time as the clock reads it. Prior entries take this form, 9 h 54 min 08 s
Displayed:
3 h 13 min 02 s
